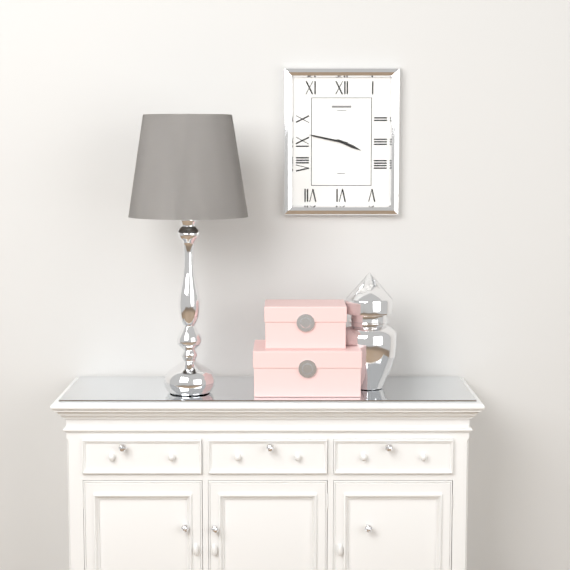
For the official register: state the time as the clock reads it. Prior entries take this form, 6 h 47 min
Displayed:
3 h 47 min
